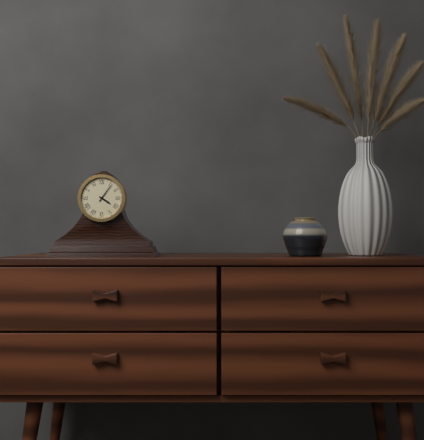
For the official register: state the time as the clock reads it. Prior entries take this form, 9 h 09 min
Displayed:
4 h 06 min
